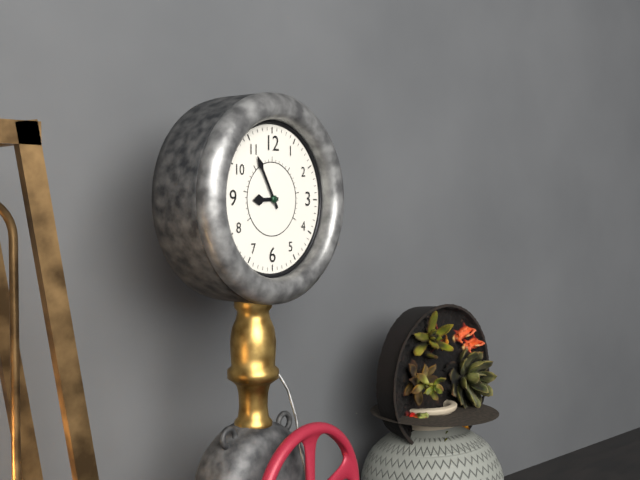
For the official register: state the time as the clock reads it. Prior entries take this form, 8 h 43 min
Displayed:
8 h 55 min
